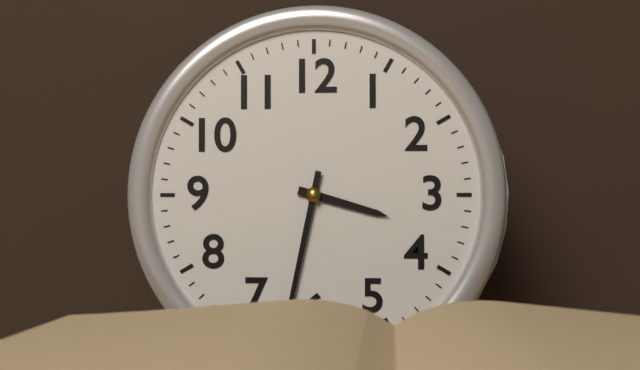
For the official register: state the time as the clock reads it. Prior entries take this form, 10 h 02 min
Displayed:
3 h 32 min
